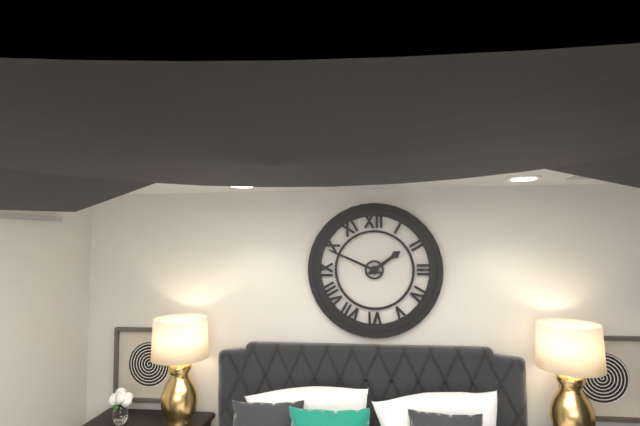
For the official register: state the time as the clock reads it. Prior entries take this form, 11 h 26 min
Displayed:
1 h 49 min
